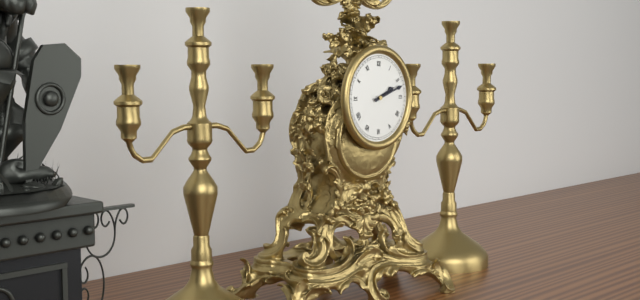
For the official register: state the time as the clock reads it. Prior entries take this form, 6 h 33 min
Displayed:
2 h 12 min
